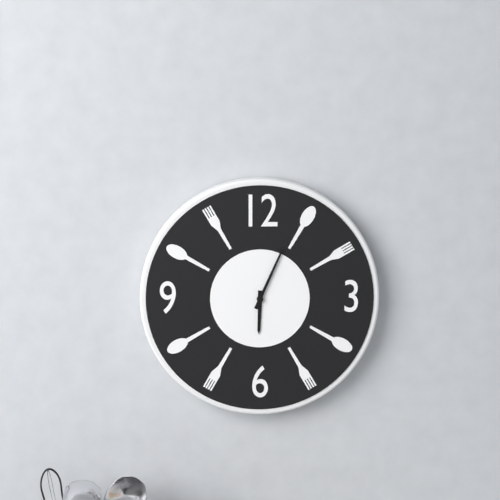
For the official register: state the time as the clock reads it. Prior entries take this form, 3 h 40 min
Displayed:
6 h 04 min
